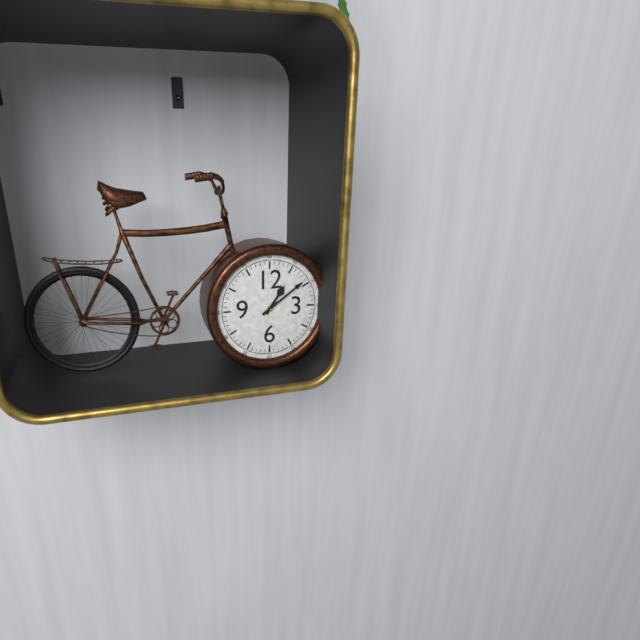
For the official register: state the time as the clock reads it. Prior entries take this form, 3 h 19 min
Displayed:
1 h 09 min
